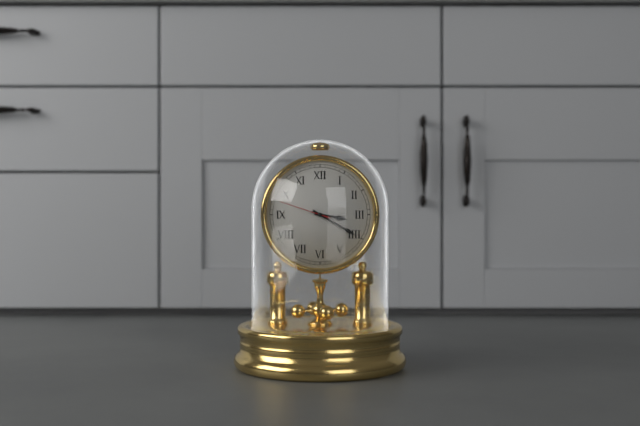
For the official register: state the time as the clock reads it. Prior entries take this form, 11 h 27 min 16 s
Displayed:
3 h 20 min 48 s
